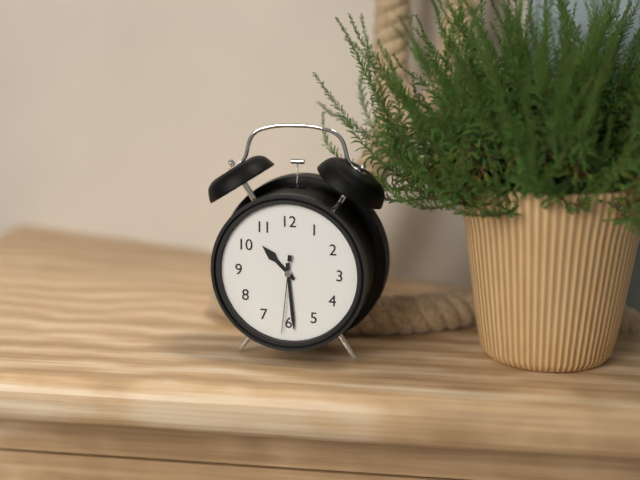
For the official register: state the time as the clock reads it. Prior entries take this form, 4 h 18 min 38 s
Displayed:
10 h 29 min 31 s
